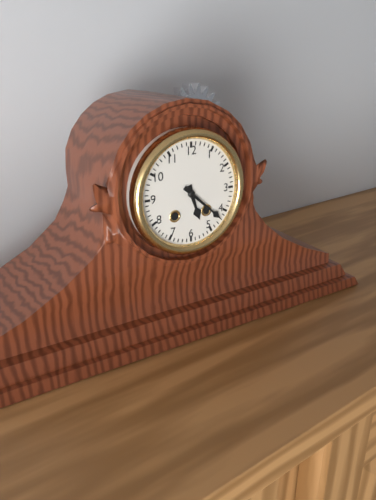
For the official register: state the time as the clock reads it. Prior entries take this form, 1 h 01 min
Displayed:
5 h 22 min
